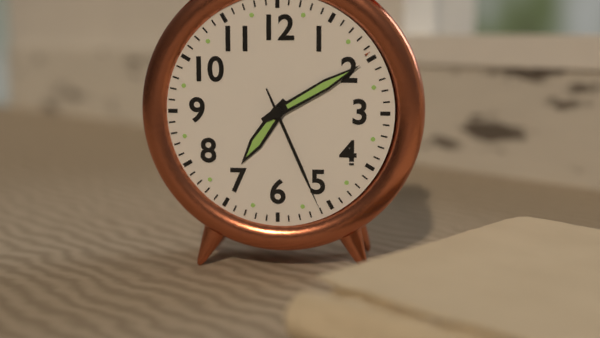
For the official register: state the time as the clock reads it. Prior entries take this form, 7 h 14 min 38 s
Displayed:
7 h 10 min 26 s
